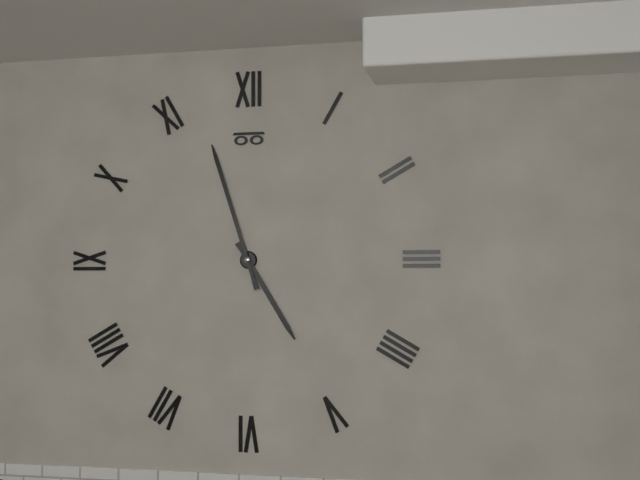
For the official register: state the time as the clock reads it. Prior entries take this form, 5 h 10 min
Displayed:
4 h 57 min
